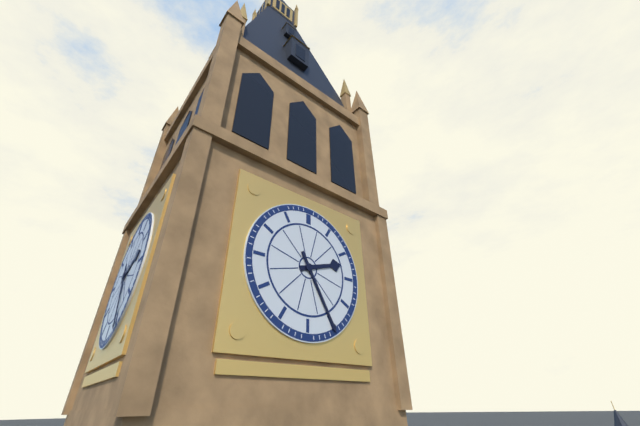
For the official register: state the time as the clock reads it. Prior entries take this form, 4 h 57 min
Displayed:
2 h 25 min
